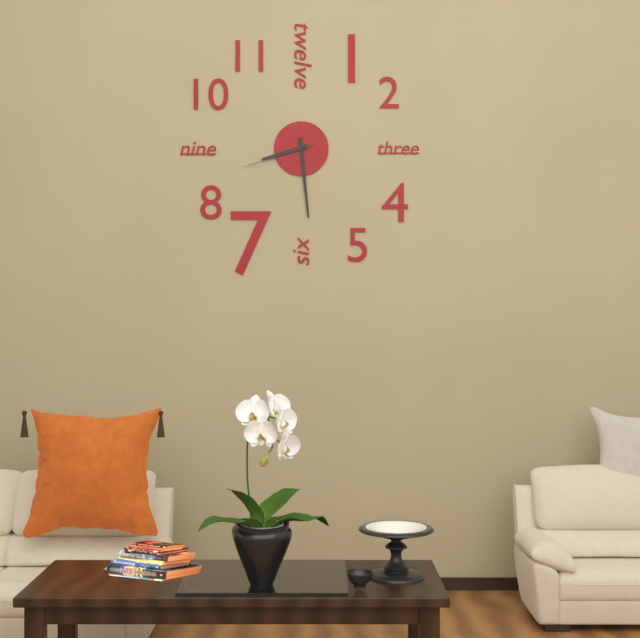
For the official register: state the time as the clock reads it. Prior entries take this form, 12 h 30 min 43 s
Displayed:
8 h 29 min 42 s
